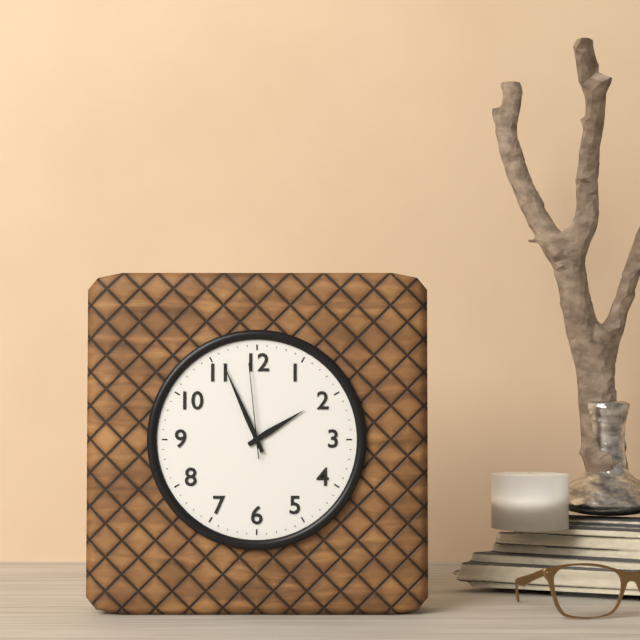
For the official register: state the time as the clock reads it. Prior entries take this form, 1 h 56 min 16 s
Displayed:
1 h 56 min 59 s
